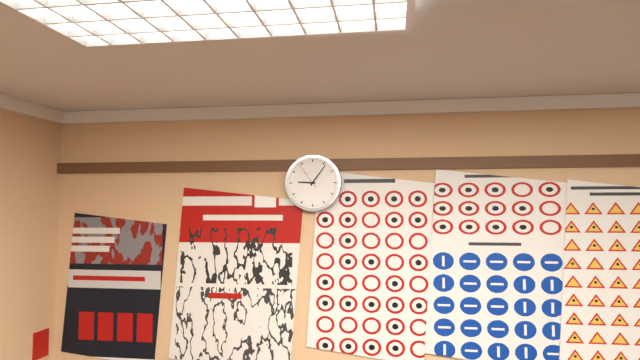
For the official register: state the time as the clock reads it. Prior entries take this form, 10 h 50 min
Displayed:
9 h 06 min
